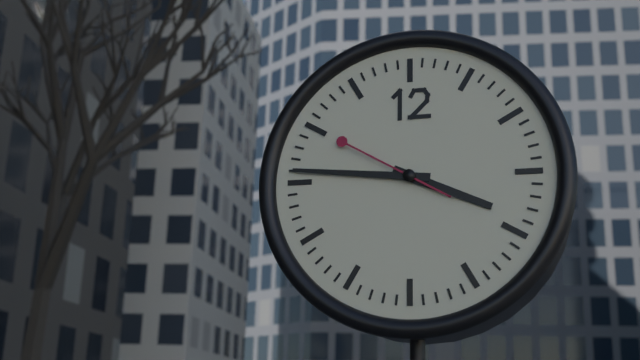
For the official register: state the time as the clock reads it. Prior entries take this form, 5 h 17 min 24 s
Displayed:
3 h 46 min 50 s
